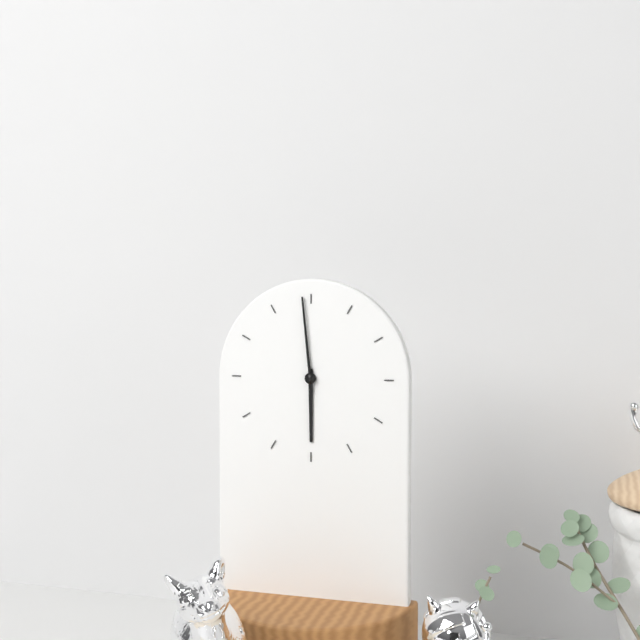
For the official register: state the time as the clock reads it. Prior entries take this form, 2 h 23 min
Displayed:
5 h 59 min
